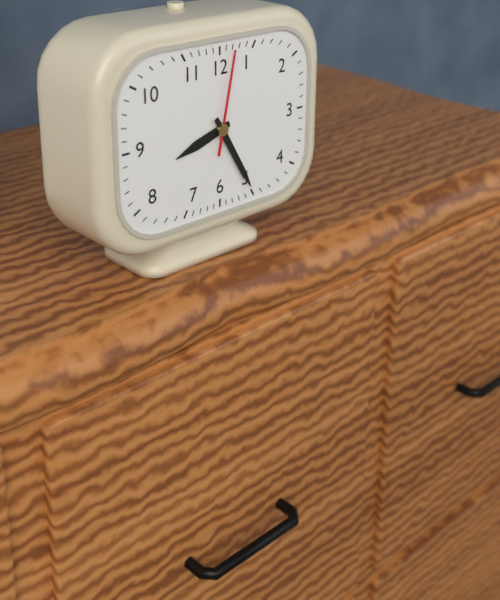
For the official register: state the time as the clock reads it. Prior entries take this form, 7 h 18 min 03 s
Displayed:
8 h 25 min 02 s
